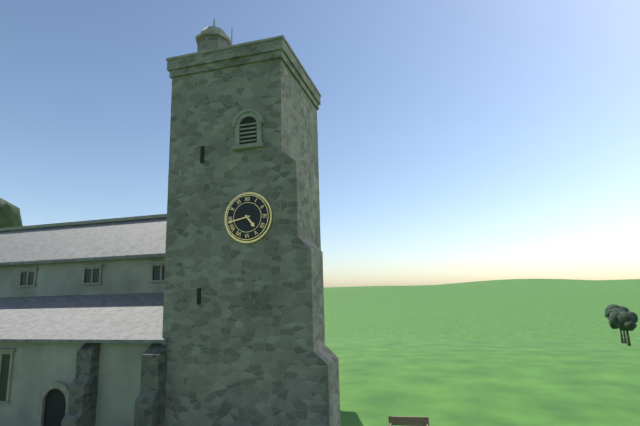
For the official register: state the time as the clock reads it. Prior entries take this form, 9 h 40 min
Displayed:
4 h 43 min
